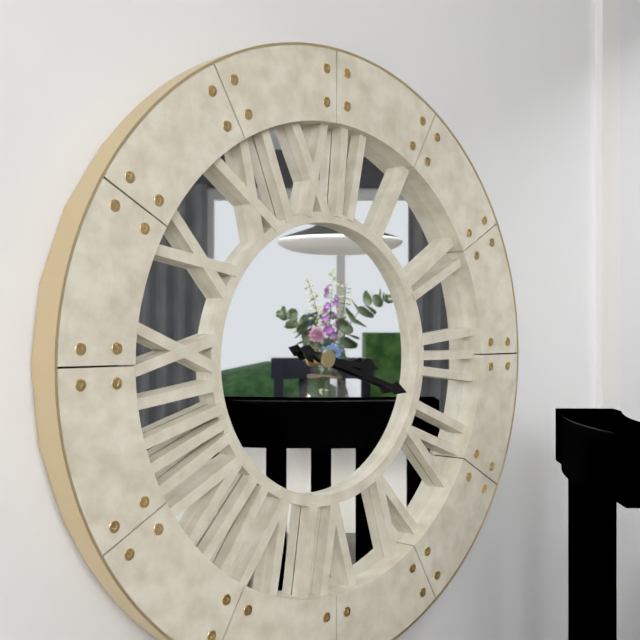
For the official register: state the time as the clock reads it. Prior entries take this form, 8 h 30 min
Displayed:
3 h 18 min
